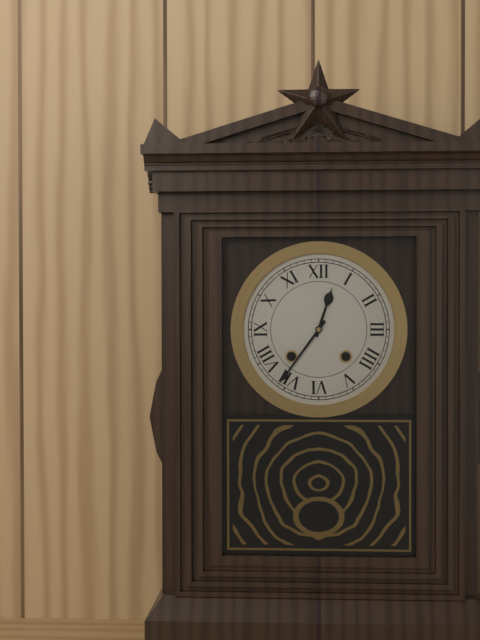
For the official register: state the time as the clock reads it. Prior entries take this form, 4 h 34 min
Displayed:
12 h 36 min
